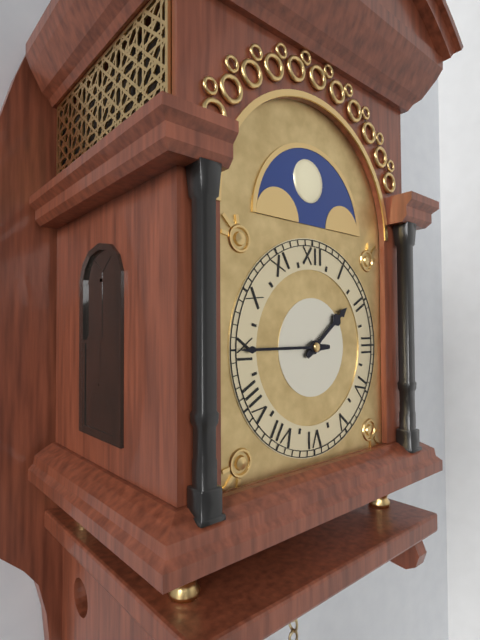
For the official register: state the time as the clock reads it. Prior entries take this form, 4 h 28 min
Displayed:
1 h 45 min
